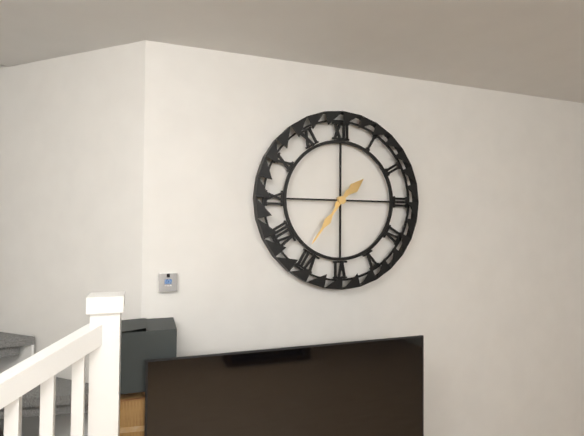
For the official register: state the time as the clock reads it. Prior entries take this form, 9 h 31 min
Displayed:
1 h 36 min
